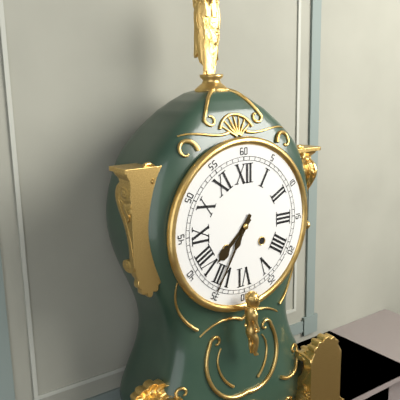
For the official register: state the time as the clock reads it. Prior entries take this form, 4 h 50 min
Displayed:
7 h 35 min
